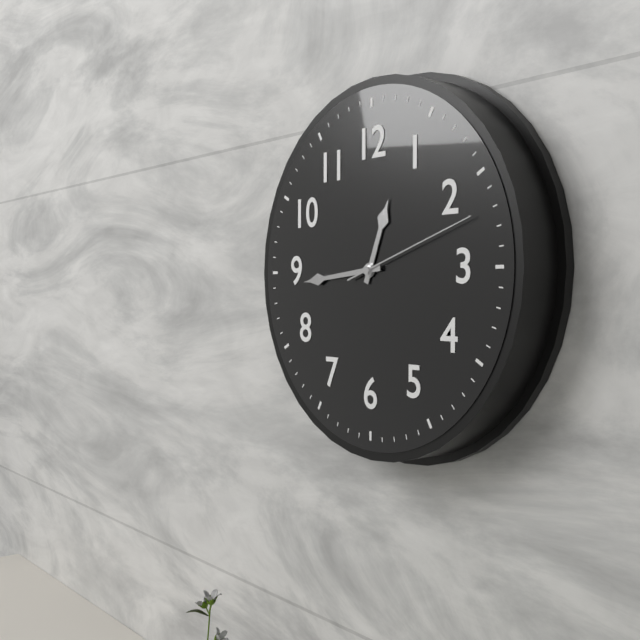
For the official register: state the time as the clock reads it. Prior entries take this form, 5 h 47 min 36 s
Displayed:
12 h 44 min 12 s
